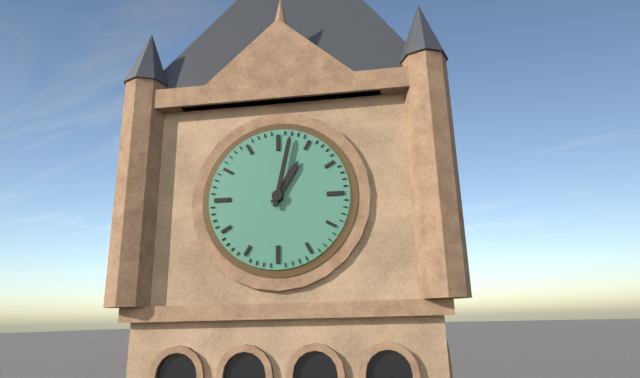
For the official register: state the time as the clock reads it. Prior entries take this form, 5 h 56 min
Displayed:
1 h 02 min
